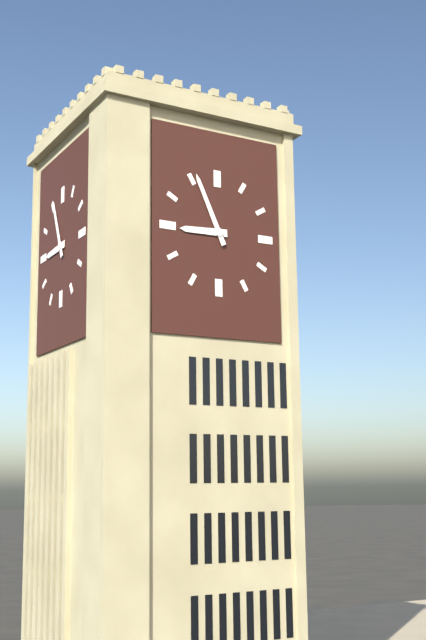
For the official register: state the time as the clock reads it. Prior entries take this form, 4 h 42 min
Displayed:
8 h 56 min
